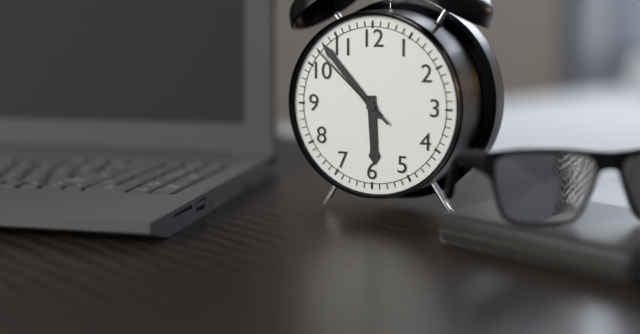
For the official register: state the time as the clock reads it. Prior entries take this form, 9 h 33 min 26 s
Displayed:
5 h 53 min 52 s
